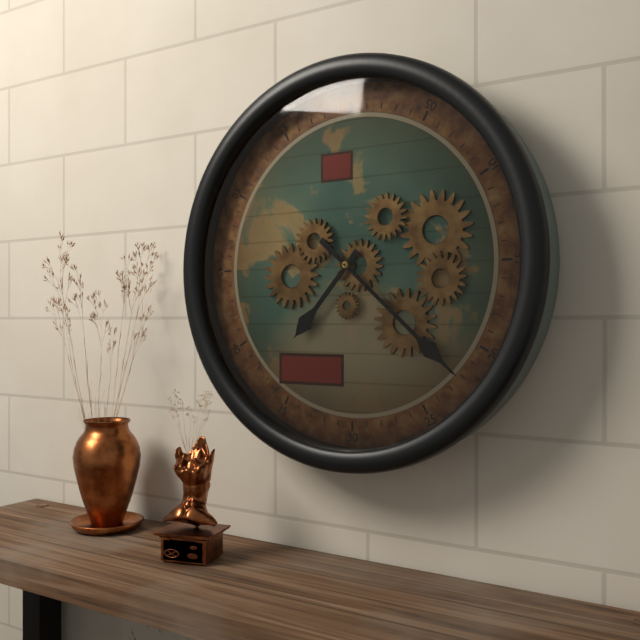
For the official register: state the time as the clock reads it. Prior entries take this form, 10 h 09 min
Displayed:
7 h 22 min
